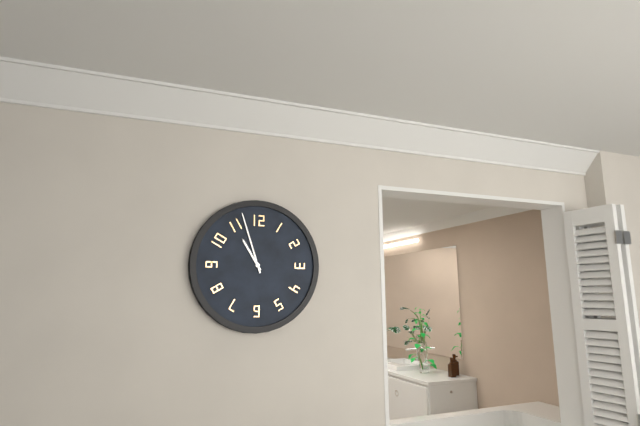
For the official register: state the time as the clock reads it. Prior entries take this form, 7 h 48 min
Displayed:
10 h 57 min
